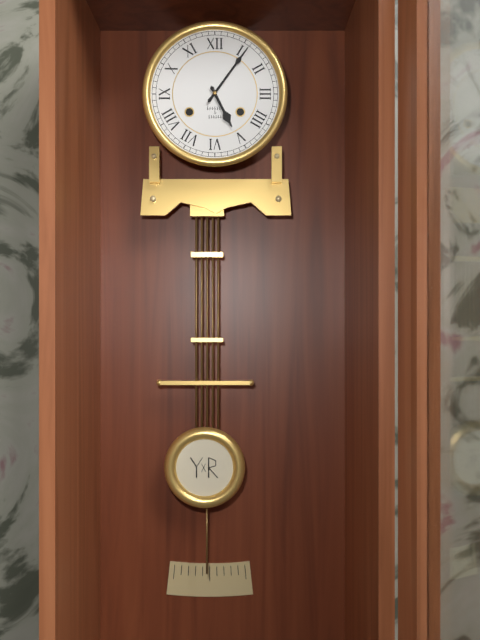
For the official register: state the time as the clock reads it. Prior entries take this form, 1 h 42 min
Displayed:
5 h 06 min
